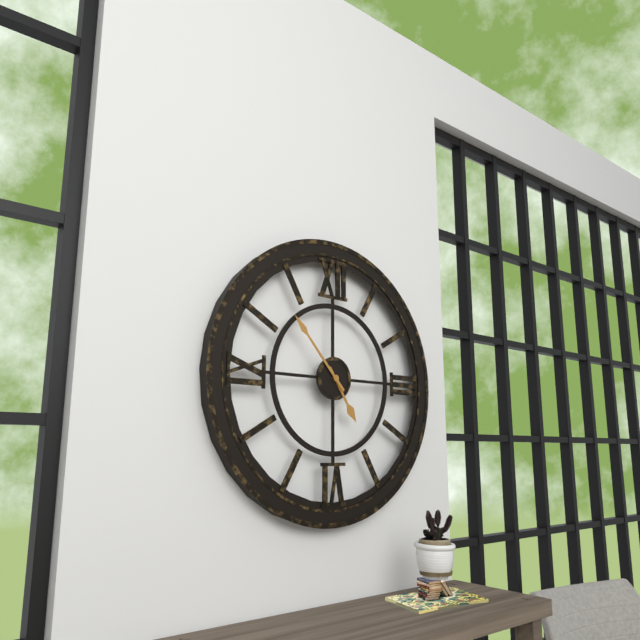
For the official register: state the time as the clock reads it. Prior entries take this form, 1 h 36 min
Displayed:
4 h 53 min
